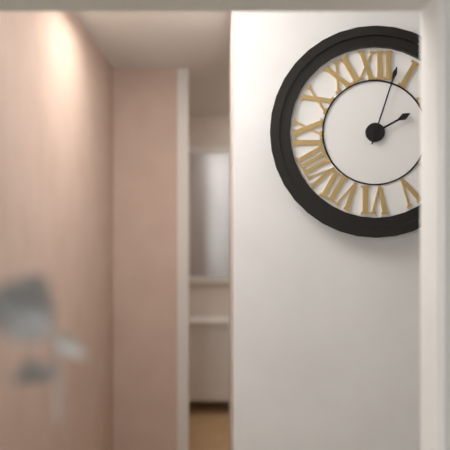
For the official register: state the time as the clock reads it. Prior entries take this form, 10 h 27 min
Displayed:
2 h 03 min
